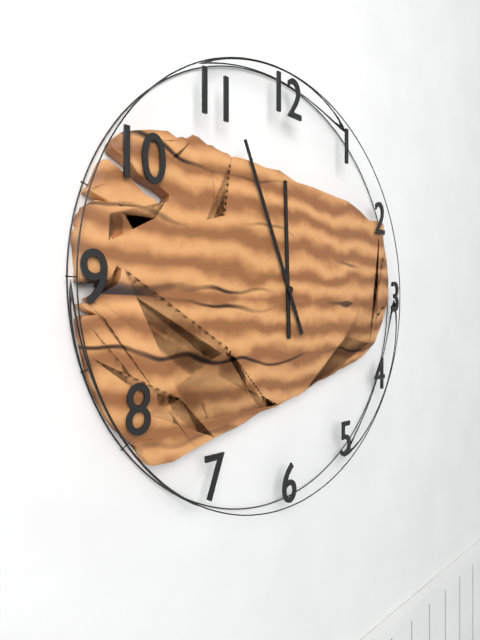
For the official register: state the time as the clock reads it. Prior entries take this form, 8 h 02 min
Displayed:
11 h 56 min
